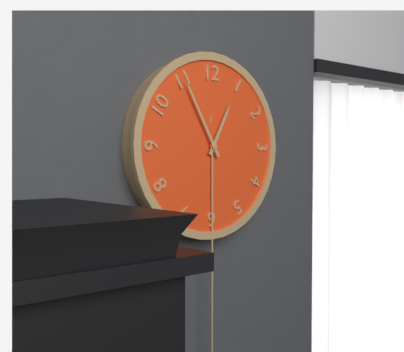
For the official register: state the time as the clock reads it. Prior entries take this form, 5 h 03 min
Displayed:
12 h 55 min
